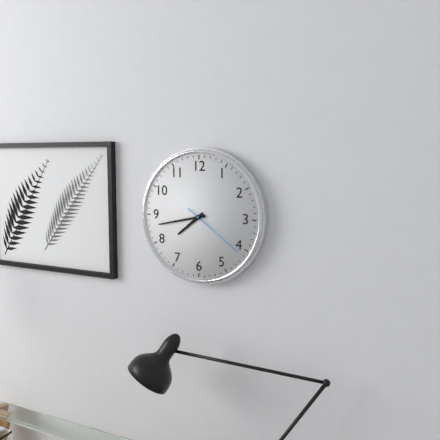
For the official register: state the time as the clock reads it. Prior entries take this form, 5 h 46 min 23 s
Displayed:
7 h 43 min 21 s
